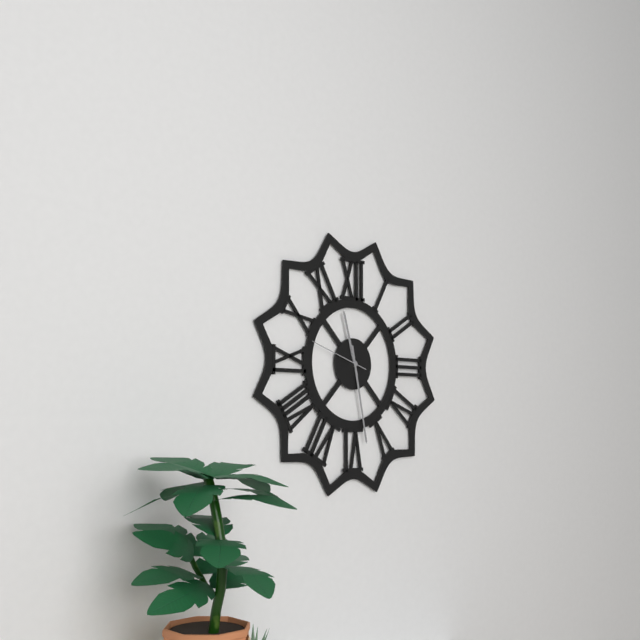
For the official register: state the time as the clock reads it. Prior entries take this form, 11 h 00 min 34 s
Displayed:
11 h 28 min 48 s
